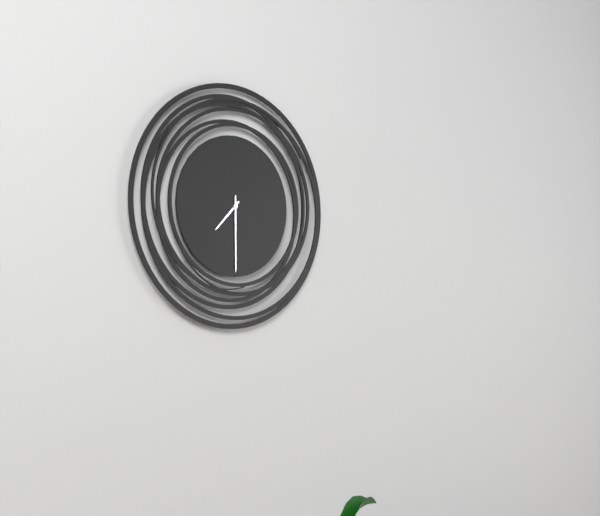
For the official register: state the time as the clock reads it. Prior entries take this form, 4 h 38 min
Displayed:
7 h 30 min
